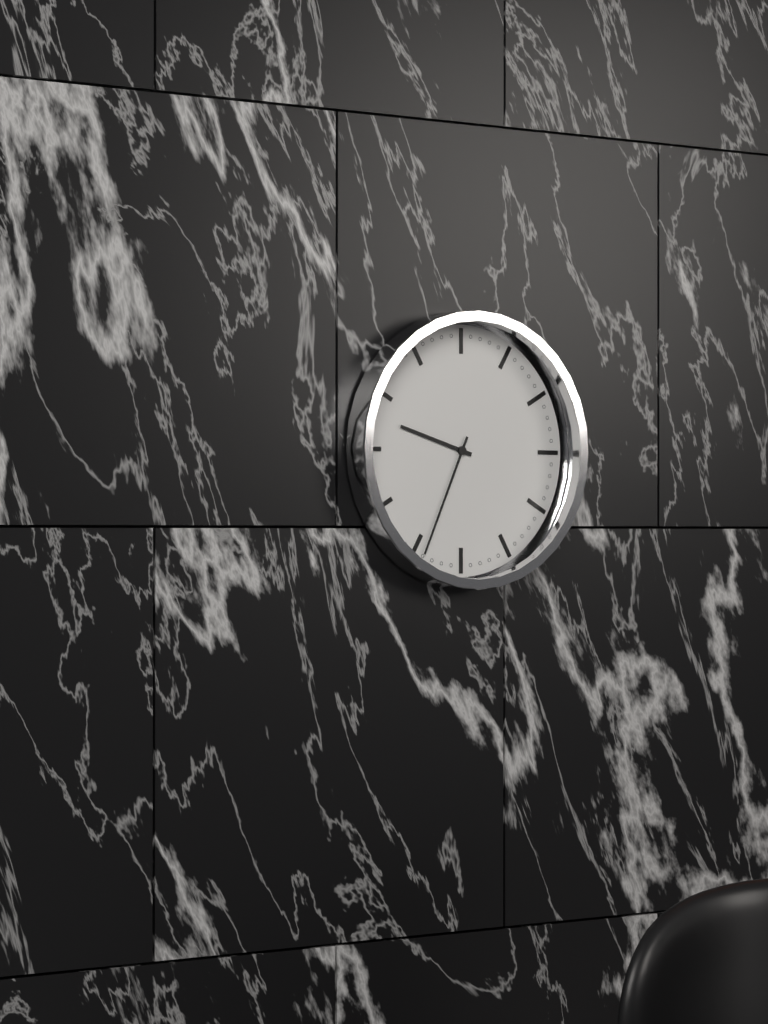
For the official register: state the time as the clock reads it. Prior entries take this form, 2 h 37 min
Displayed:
9 h 34 min
